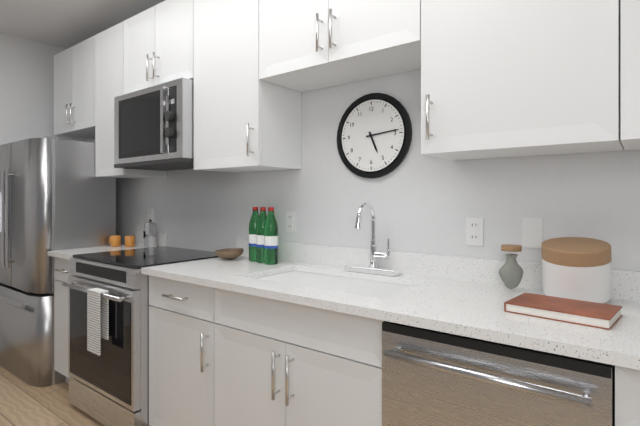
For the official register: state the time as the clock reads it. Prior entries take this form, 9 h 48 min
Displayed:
5 h 14 min
